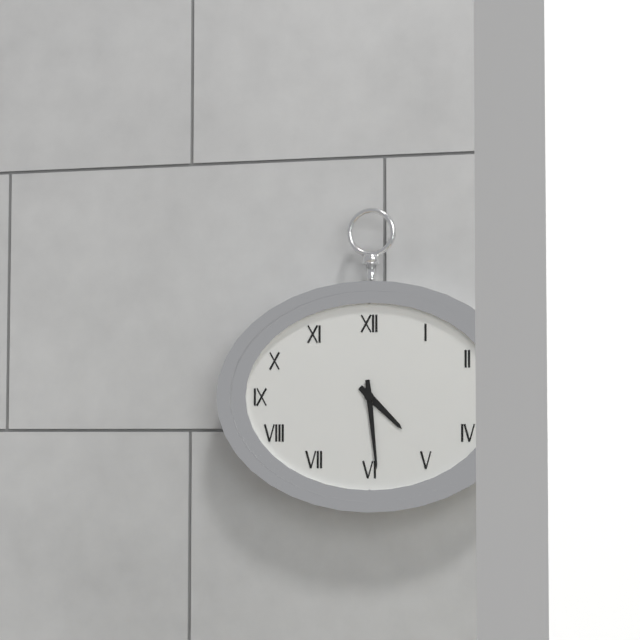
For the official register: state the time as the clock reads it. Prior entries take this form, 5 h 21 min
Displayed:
4 h 29 min
